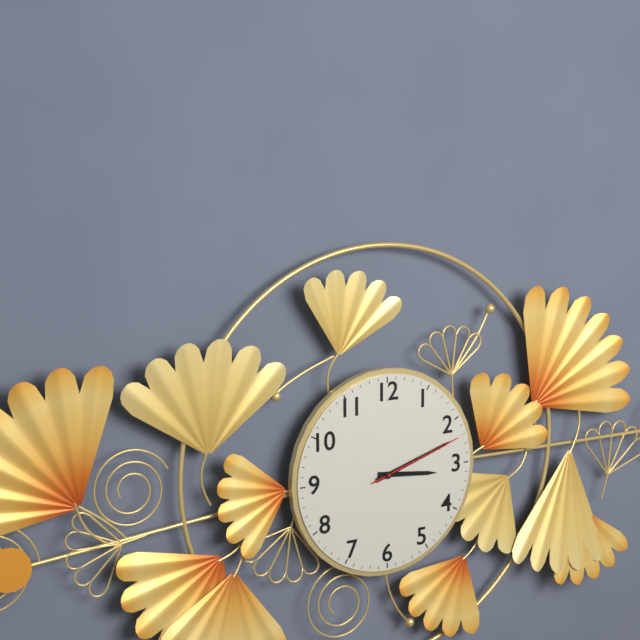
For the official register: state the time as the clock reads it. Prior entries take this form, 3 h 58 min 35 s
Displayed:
3 h 12 min 12 s
